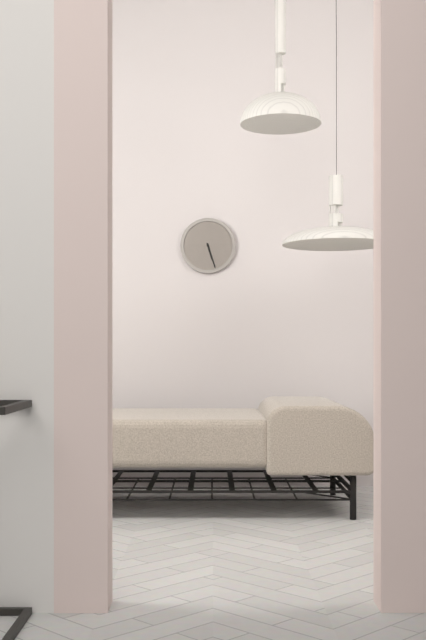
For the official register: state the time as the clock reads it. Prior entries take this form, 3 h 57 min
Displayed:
5 h 27 min
